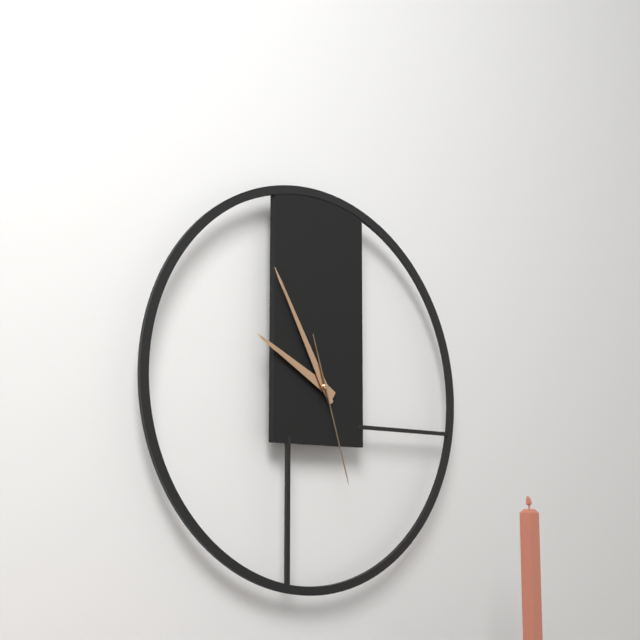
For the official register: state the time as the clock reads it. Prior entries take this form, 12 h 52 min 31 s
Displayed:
9 h 55 min 27 s
